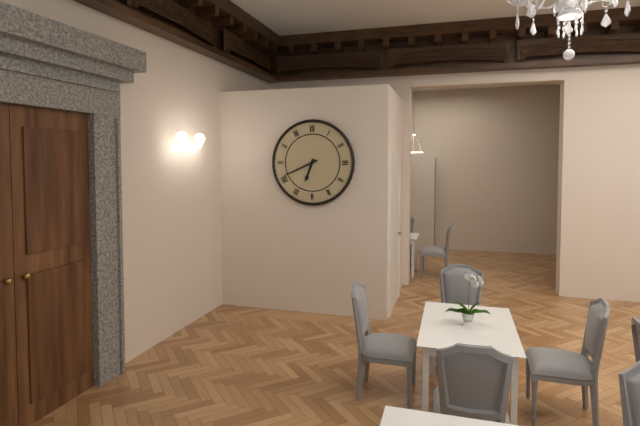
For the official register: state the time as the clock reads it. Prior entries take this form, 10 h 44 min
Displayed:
6 h 41 min
